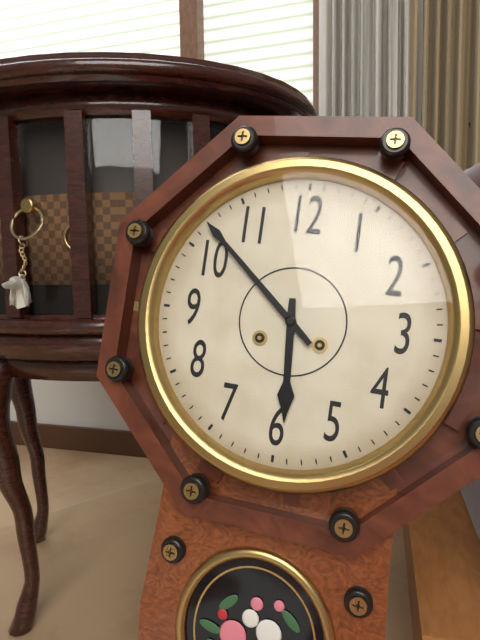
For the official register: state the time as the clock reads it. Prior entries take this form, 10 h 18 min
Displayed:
5 h 52 min
